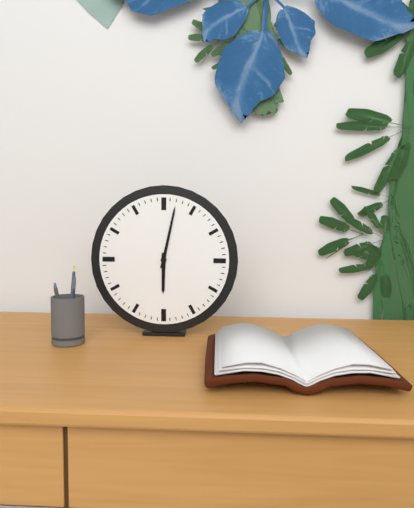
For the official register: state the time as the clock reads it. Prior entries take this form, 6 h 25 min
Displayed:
6 h 02 min
